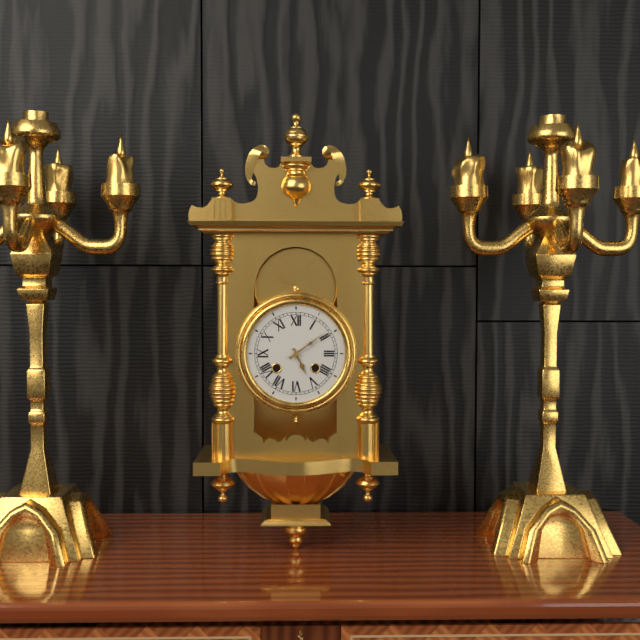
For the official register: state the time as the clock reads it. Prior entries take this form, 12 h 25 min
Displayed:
5 h 09 min
